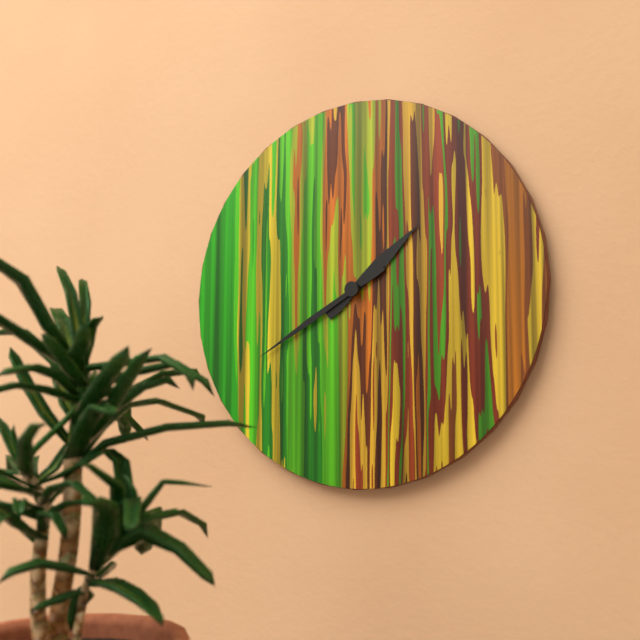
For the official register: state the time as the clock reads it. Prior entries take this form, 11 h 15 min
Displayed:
1 h 40 min
